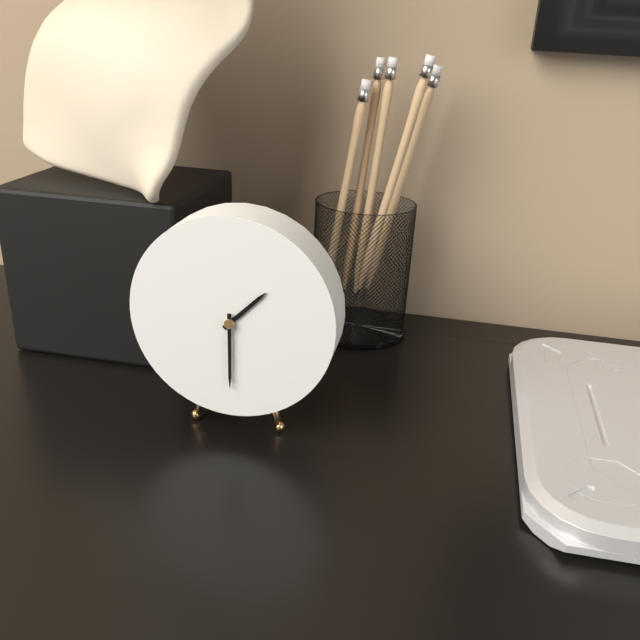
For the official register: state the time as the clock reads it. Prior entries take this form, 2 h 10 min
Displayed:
1 h 30 min
